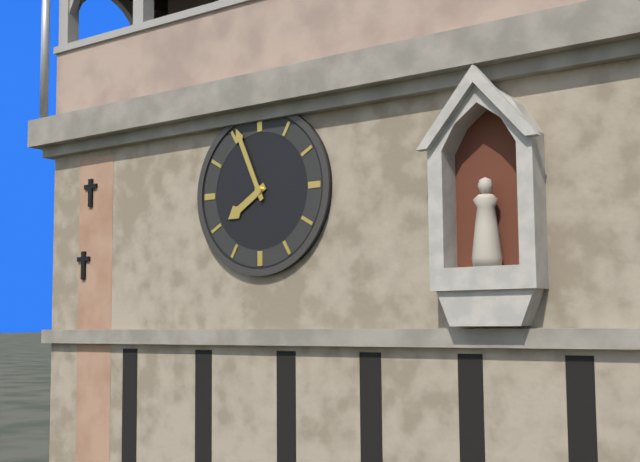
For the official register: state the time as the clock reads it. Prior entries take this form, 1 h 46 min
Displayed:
7 h 56 min
